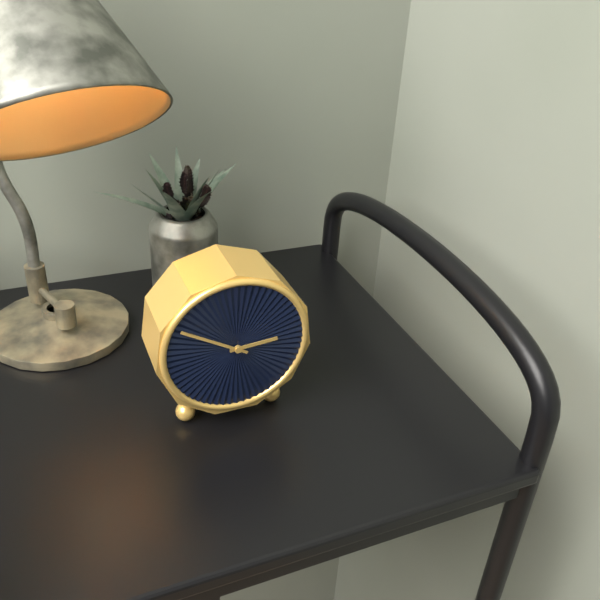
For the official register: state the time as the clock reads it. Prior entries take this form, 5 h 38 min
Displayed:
2 h 50 min
